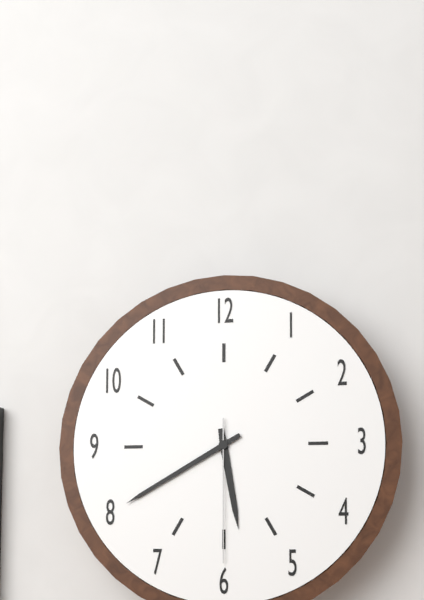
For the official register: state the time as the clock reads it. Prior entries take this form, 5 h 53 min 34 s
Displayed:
5 h 40 min 30 s
